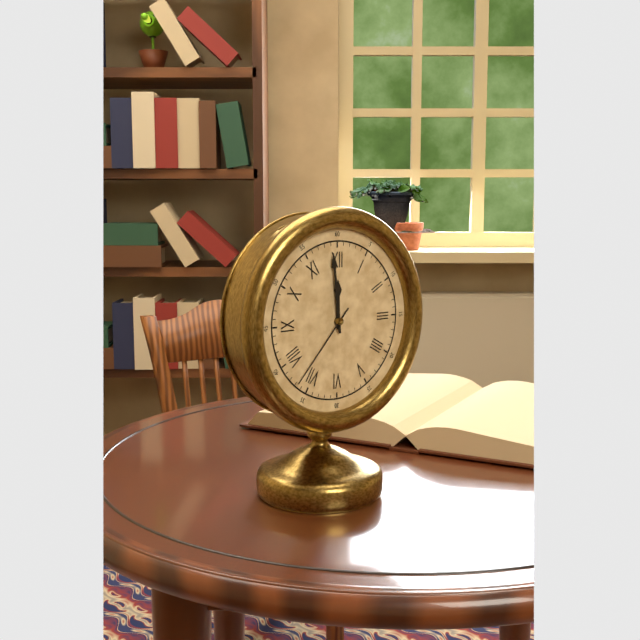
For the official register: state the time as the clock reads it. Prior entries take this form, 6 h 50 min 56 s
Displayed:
11 h 59 min 37 s
